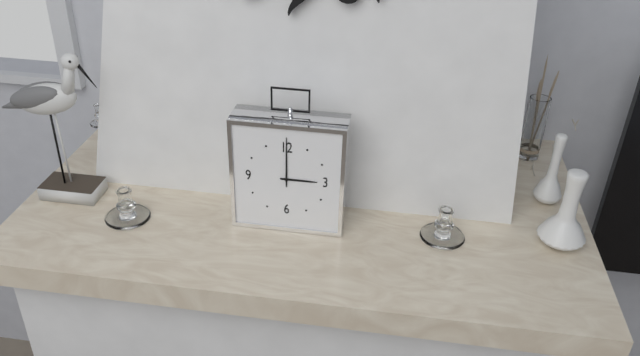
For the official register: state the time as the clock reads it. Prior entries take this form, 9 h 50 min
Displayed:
3 h 00 min
